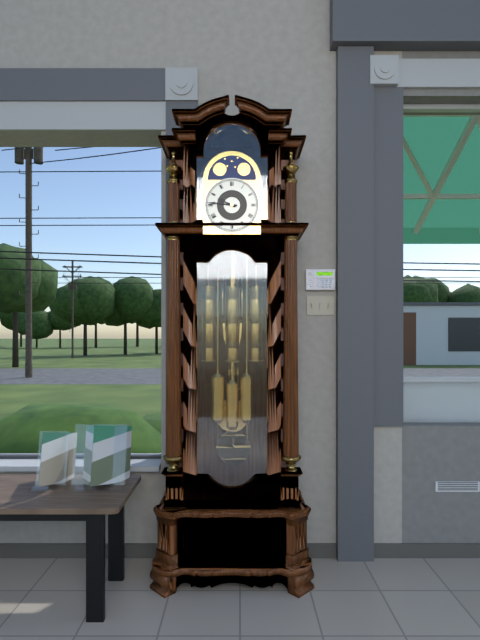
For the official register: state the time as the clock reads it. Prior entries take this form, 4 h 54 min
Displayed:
9 h 46 min
